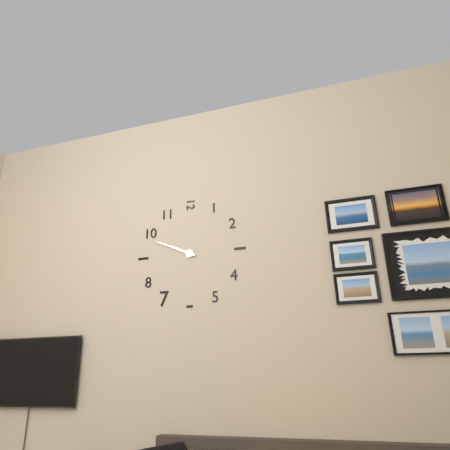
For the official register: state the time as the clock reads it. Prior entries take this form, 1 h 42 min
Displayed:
9 h 49 min
